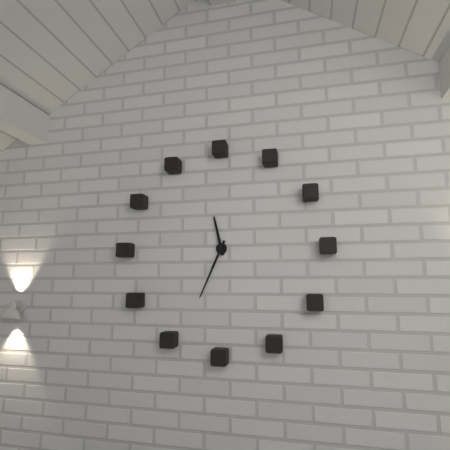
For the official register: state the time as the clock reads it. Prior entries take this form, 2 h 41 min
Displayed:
11 h 34 min
